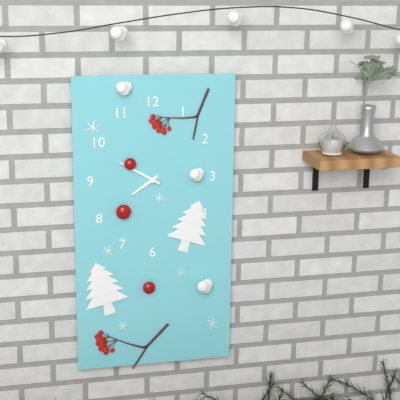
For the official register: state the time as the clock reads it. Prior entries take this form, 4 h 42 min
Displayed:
7 h 50 min
